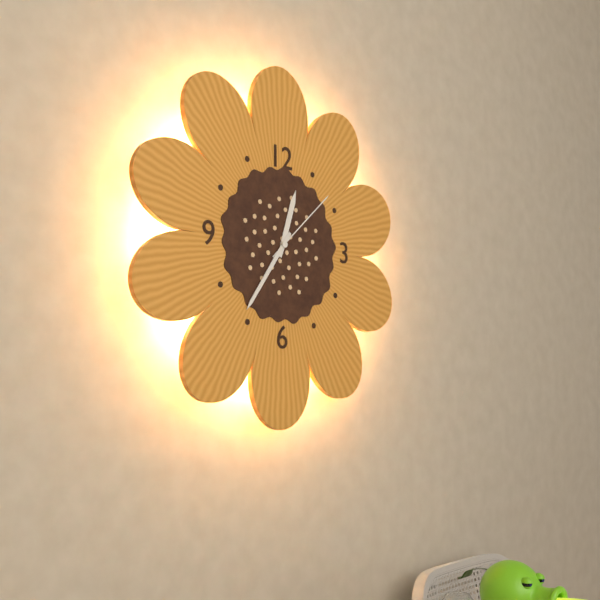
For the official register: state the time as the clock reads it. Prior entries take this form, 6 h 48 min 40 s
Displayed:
12 h 36 min 08 s
